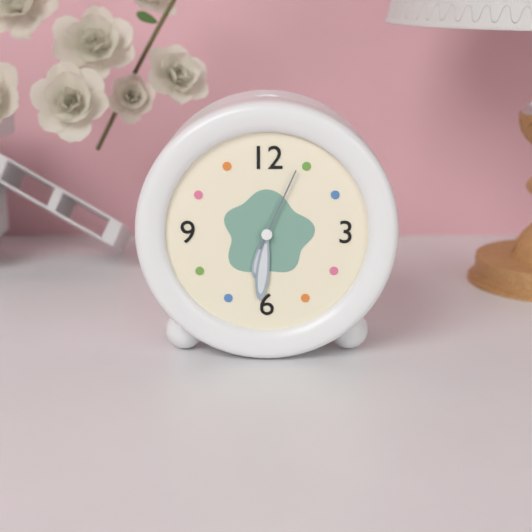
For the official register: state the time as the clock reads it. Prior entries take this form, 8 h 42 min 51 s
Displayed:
6 h 31 min 04 s
